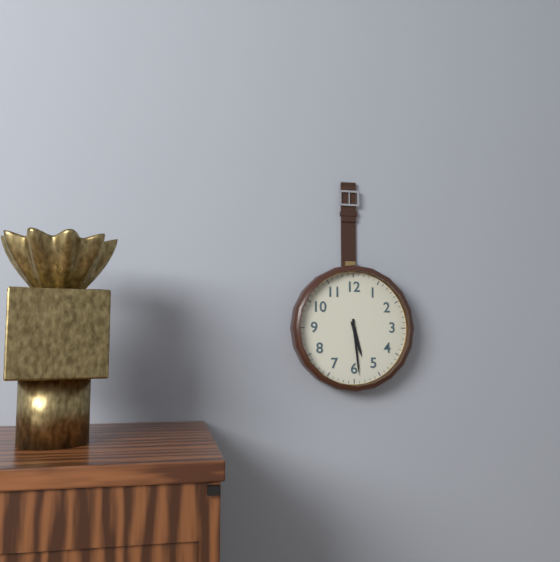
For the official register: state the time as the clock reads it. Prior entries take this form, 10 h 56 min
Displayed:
5 h 29 min
